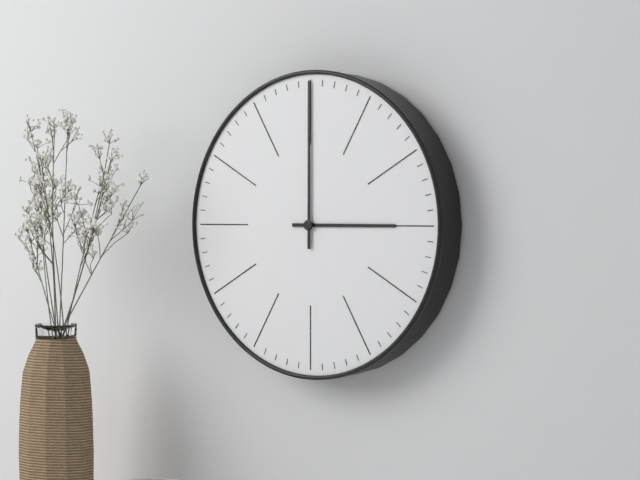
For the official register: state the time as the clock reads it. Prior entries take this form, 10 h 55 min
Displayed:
3 h 00 min
